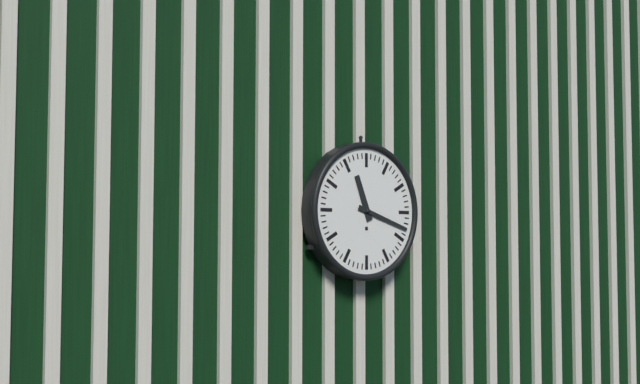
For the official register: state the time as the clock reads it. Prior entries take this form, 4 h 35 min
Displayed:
11 h 18 min
